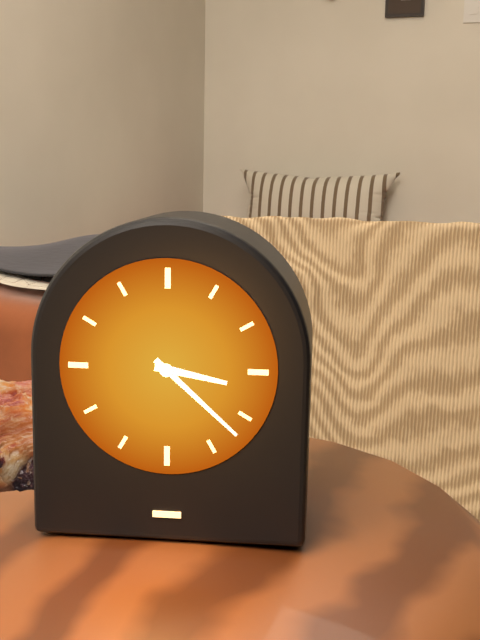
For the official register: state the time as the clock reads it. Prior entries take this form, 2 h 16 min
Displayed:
3 h 22 min
